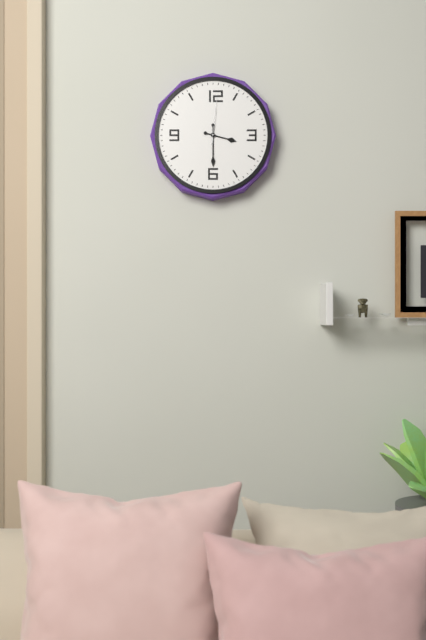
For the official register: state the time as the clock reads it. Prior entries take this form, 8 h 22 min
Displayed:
3 h 30 min
